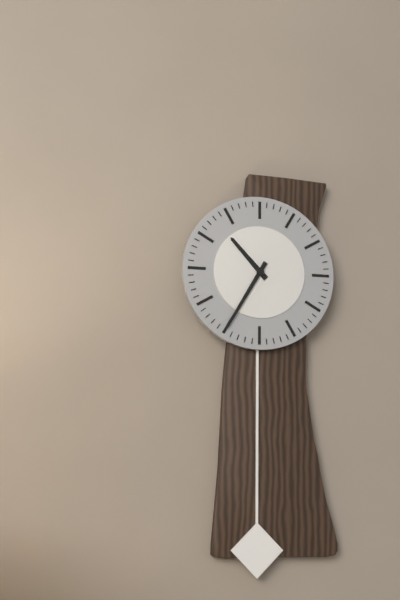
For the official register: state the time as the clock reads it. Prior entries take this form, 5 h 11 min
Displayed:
10 h 35 min
